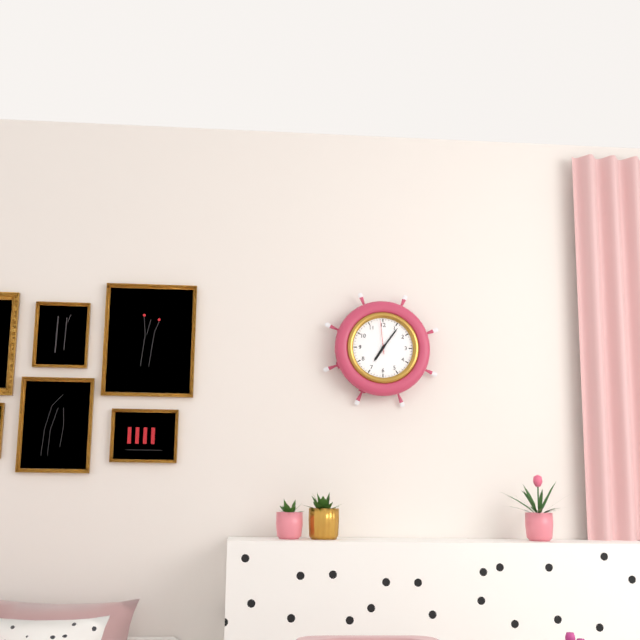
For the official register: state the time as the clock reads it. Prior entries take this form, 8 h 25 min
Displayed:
7 h 06 min
